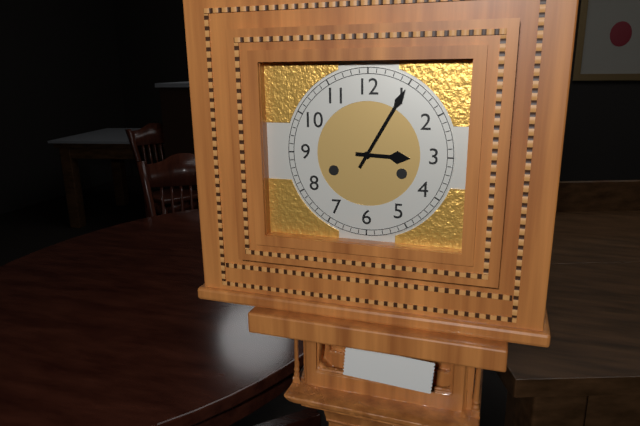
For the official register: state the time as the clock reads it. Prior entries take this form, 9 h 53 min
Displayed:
3 h 05 min
